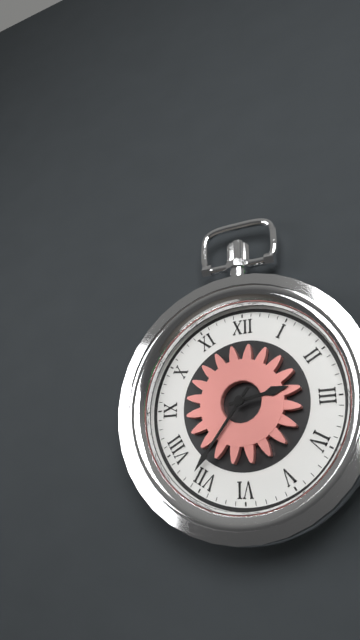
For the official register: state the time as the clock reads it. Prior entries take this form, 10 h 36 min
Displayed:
2 h 36 min
